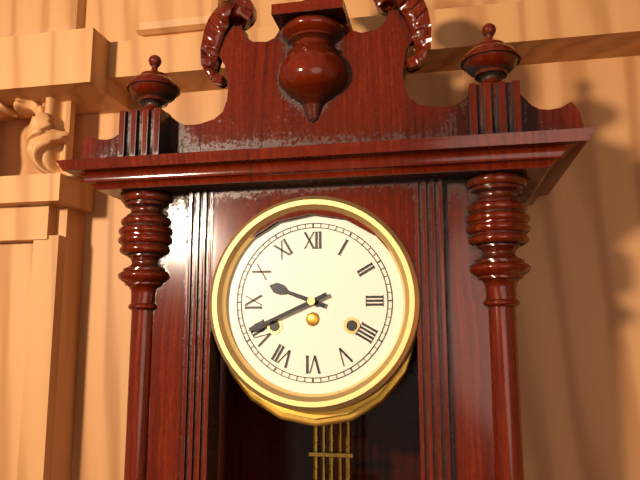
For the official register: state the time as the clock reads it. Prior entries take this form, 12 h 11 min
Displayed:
9 h 41 min
